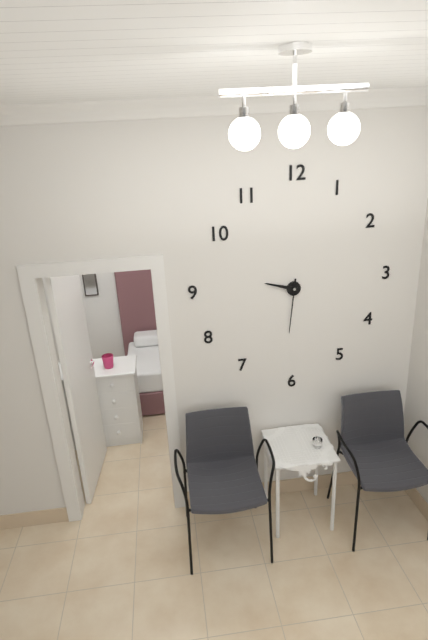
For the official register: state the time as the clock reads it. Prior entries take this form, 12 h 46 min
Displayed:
9 h 31 min
